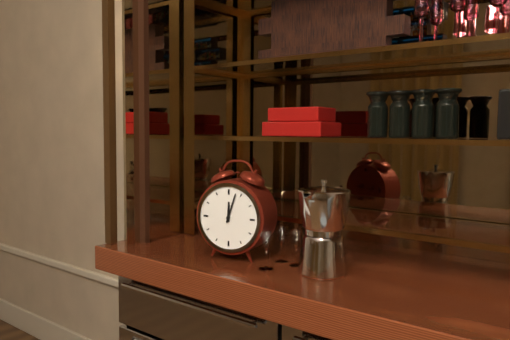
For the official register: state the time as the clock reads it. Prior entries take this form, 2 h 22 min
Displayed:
12 h 03 min
